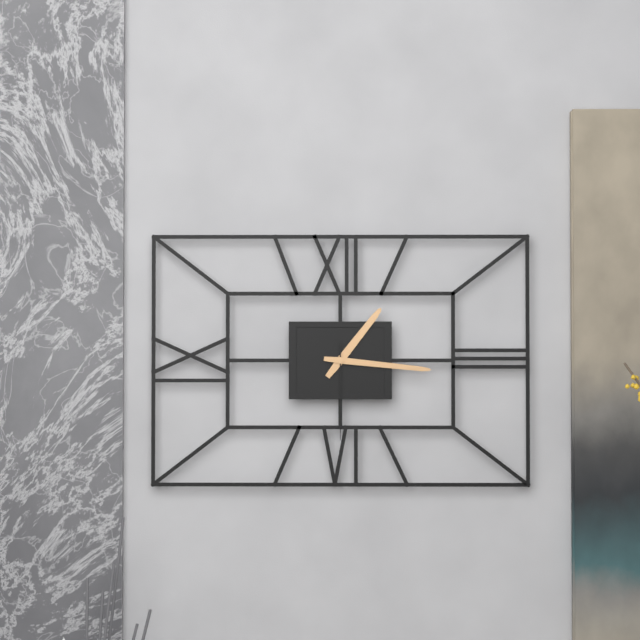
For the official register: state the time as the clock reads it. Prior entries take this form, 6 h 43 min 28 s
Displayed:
1 h 16 min 30 s
